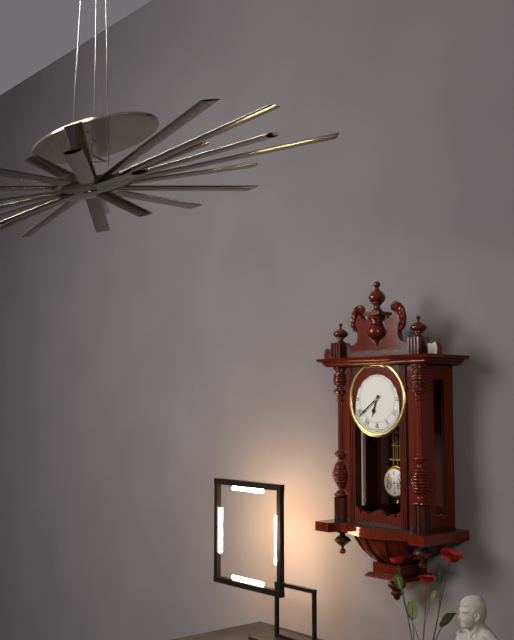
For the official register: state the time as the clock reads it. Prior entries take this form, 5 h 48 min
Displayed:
6 h 39 min
